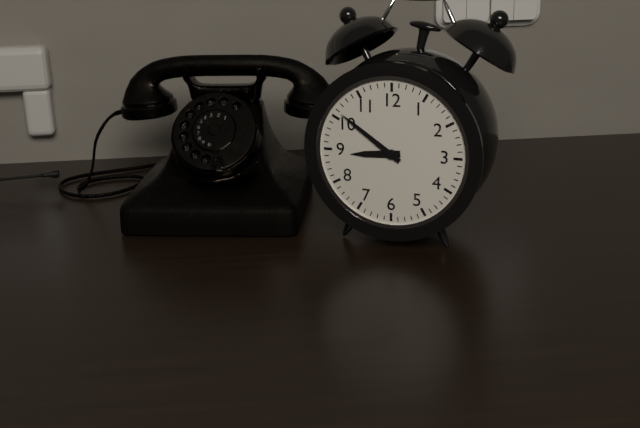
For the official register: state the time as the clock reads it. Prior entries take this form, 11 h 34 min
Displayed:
8 h 51 min
